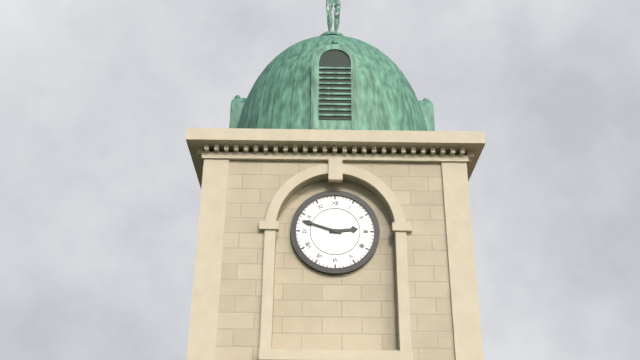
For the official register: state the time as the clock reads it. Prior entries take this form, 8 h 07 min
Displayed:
2 h 48 min
